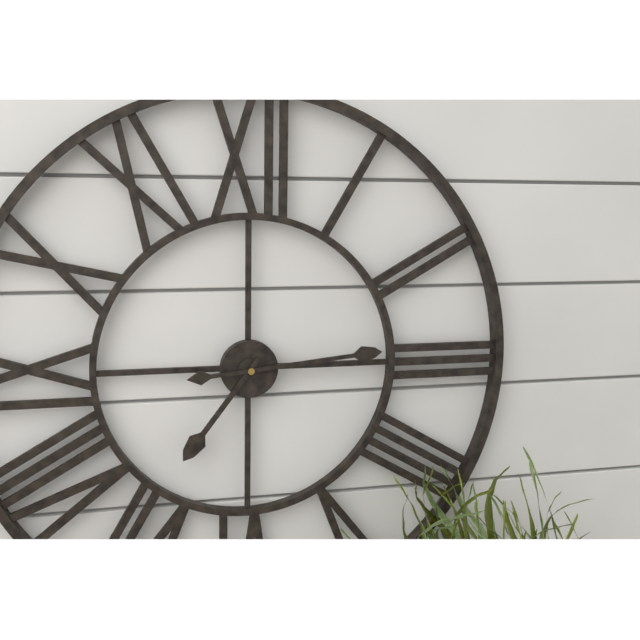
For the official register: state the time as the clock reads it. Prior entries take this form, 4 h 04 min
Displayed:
7 h 14 min
